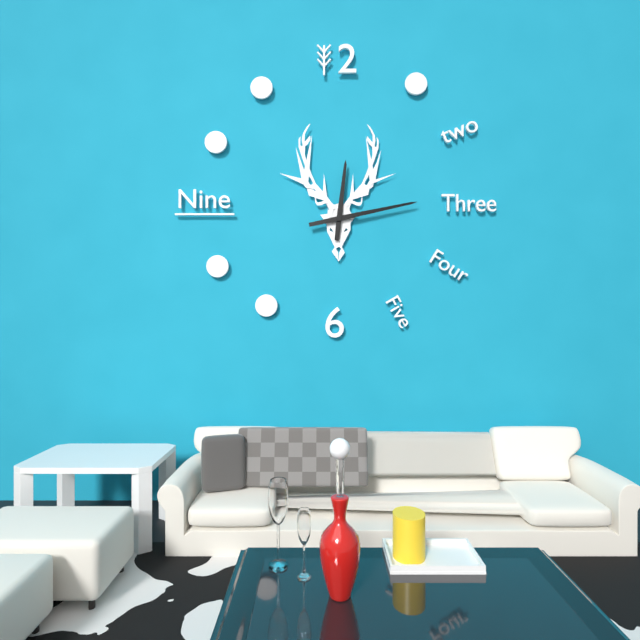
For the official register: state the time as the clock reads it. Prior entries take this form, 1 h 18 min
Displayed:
12 h 13 min
